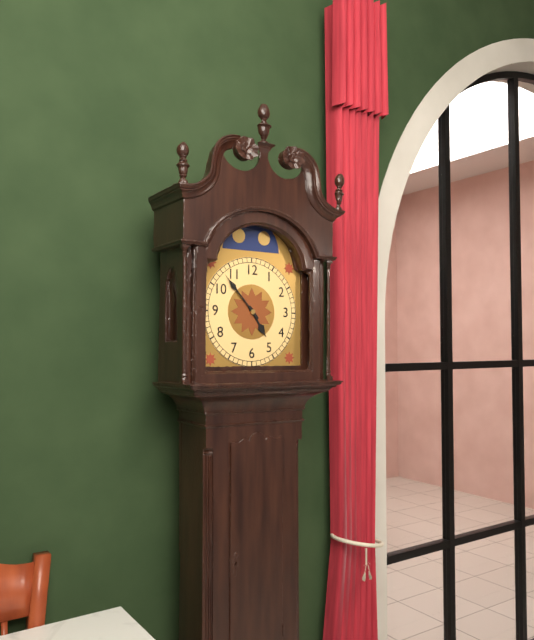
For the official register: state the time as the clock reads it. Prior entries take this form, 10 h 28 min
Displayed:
4 h 53 min
